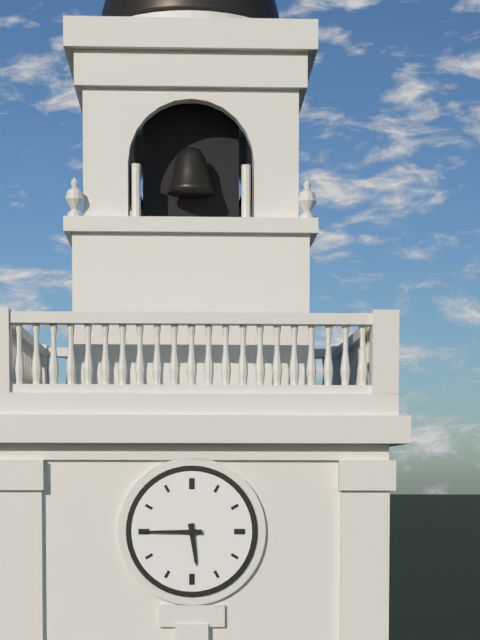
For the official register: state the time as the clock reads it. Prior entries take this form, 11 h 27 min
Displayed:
5 h 45 min
